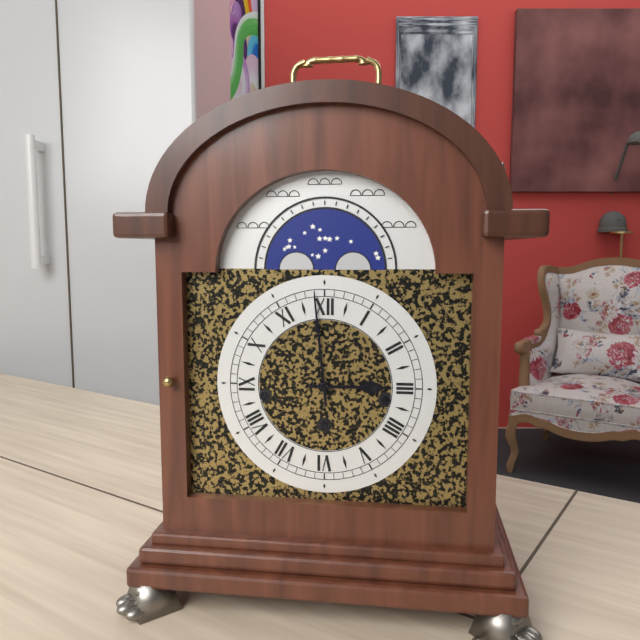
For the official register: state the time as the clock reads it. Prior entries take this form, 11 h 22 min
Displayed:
2 h 59 min
